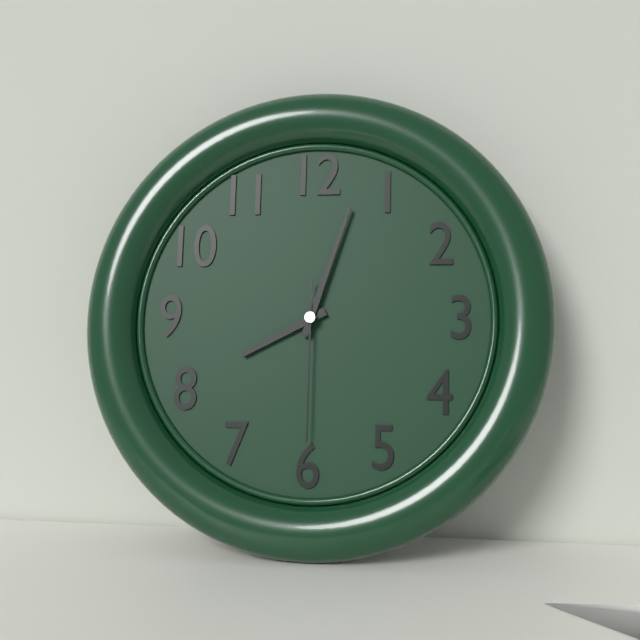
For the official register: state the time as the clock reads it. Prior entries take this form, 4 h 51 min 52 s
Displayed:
8 h 03 min 30 s
